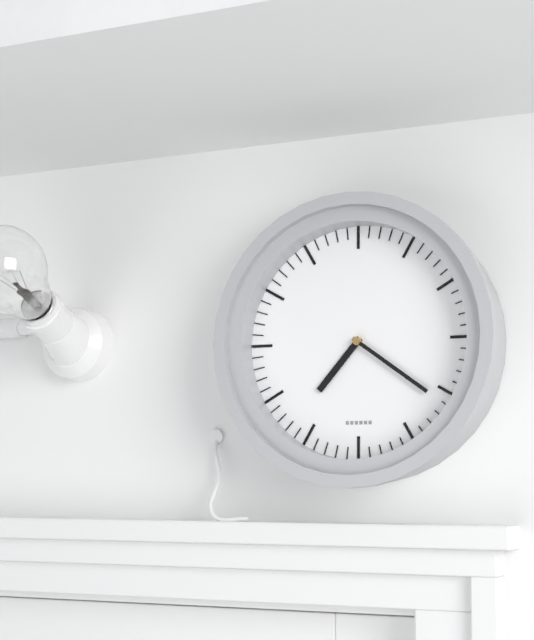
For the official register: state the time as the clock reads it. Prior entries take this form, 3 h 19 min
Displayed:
7 h 21 min
